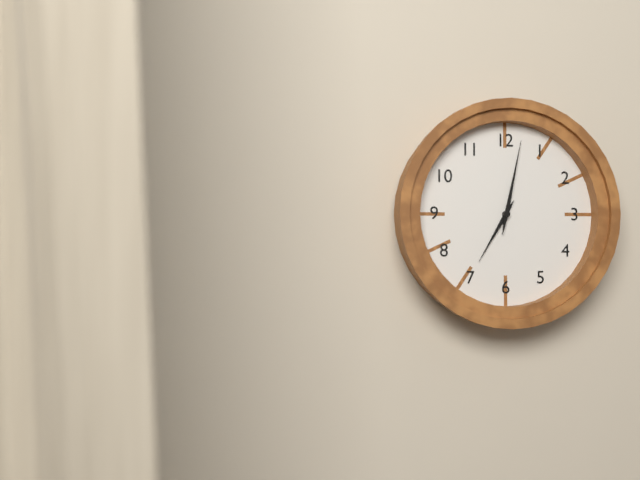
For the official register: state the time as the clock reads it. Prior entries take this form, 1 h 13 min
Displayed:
7 h 02 min
